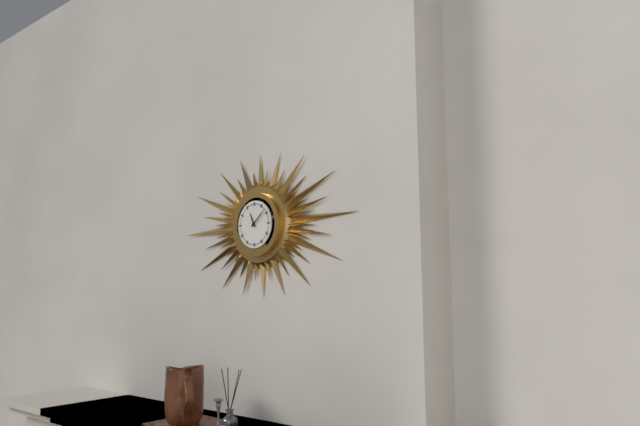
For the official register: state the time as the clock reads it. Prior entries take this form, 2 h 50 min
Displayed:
11 h 08 min
